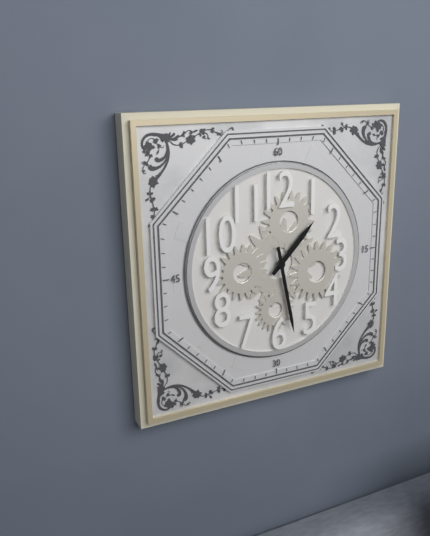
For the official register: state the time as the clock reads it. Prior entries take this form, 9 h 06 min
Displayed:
1 h 28 min
